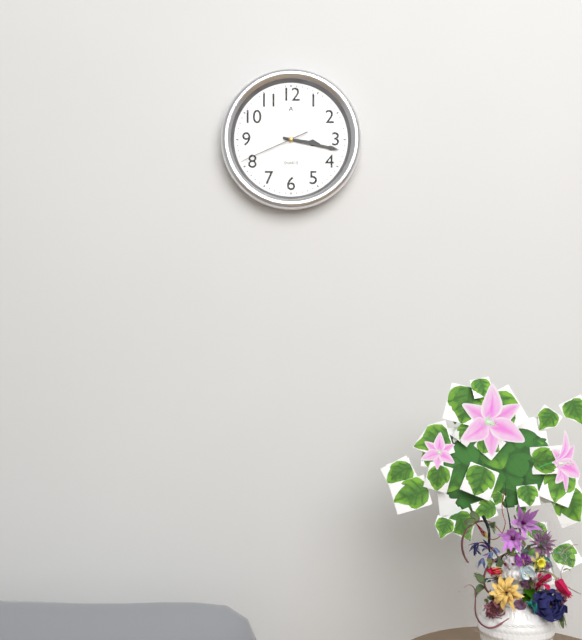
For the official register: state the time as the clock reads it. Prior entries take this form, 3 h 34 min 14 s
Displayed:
3 h 17 min 41 s
